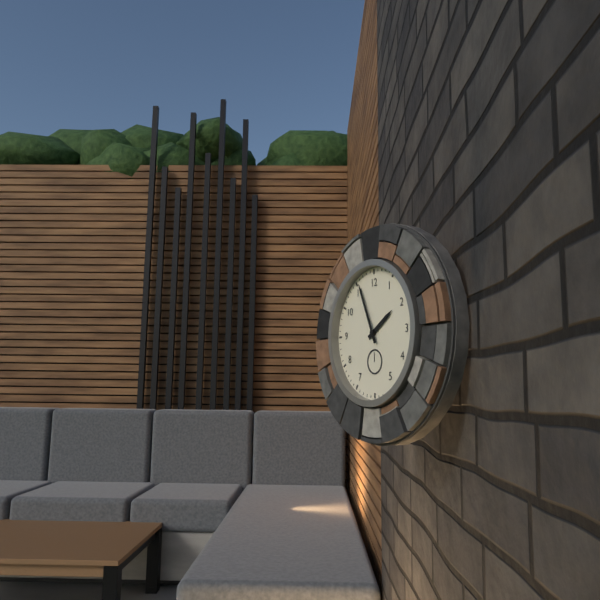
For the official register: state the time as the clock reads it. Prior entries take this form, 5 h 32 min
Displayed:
1 h 56 min
